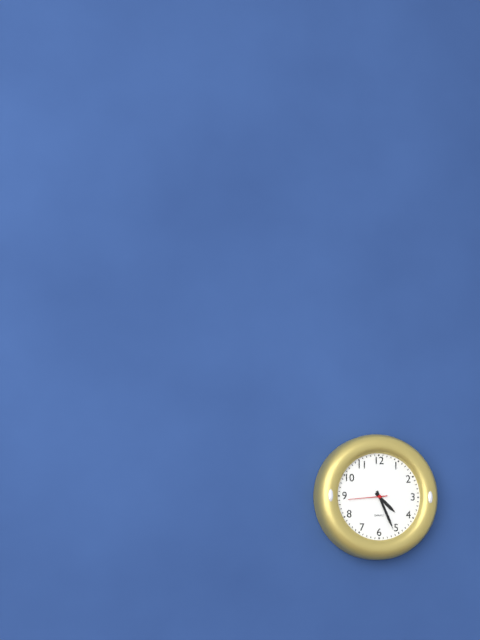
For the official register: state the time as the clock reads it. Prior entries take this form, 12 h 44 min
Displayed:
4 h 26 min
